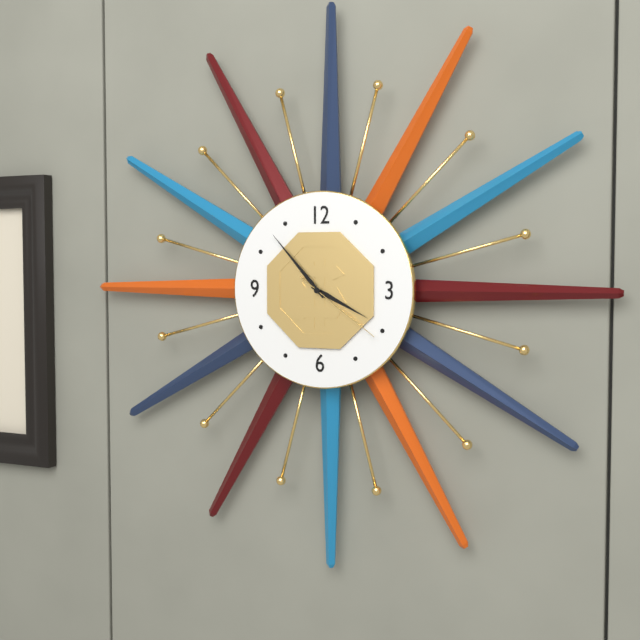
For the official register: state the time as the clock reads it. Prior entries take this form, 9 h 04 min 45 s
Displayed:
3 h 53 min 21 s
